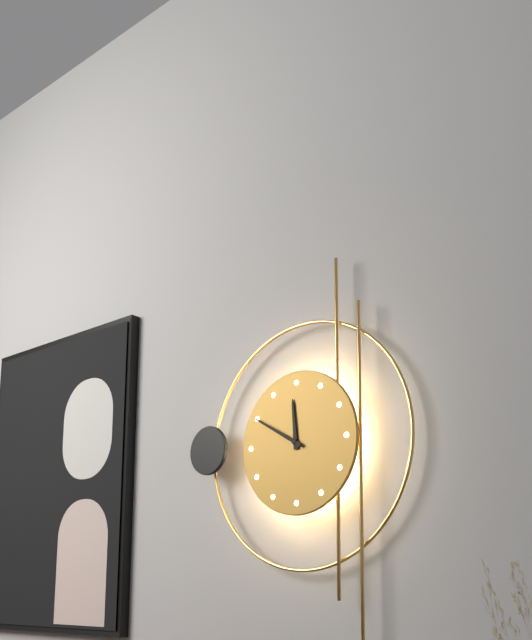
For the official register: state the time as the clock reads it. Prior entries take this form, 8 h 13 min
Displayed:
11 h 50 min
